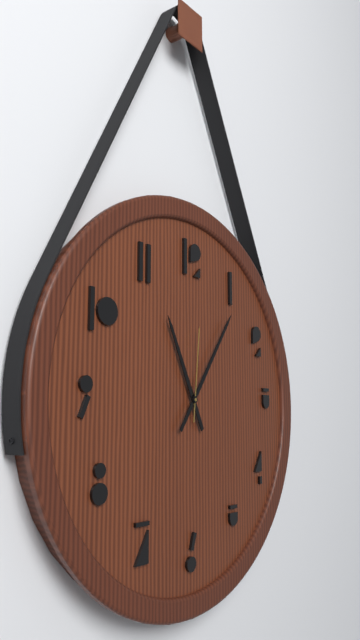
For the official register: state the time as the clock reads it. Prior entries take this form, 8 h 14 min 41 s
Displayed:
11 h 06 min 01 s
